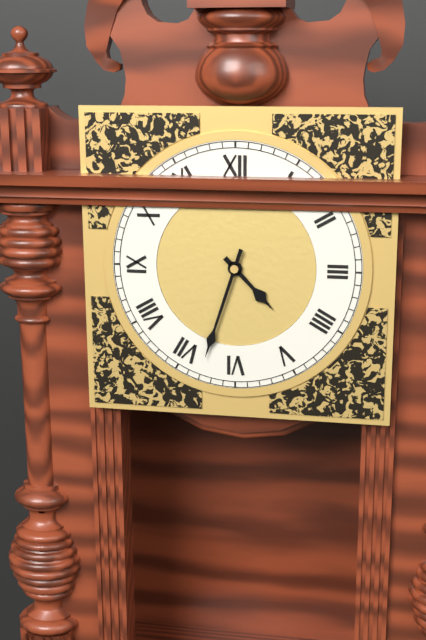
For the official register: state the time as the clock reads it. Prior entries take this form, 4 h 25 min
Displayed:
4 h 33 min
